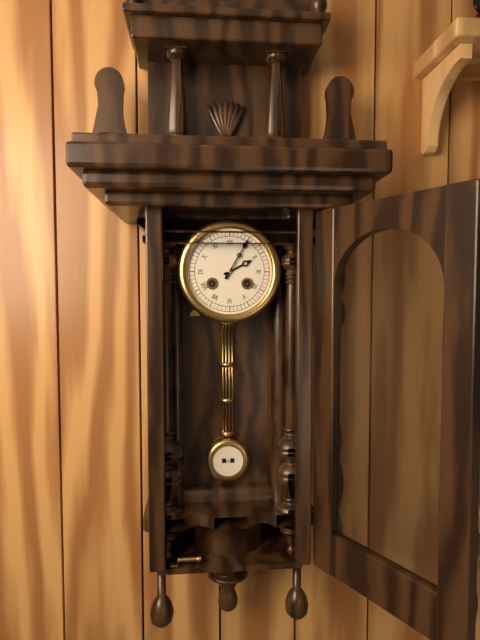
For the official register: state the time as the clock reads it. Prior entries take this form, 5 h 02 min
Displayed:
2 h 05 min
